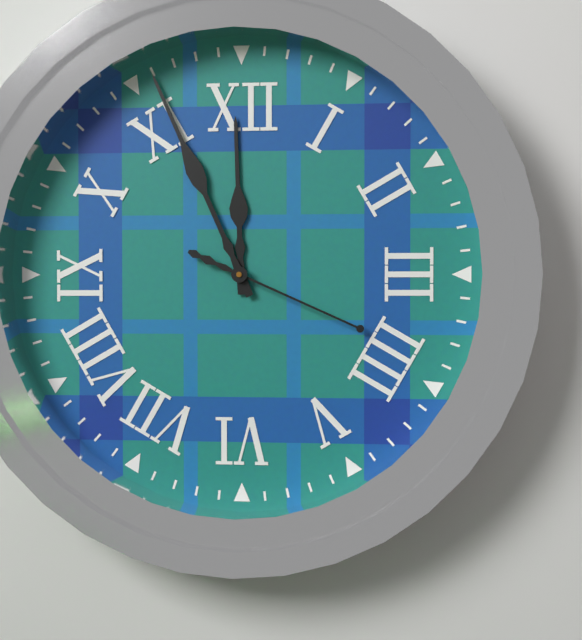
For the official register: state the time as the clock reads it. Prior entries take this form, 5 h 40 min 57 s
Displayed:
11 h 56 min 19 s
